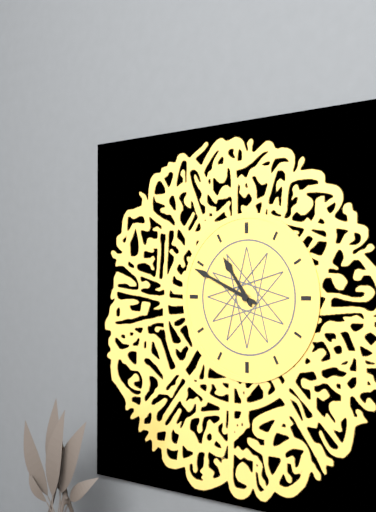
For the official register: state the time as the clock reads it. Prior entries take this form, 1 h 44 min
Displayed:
10 h 49 min
